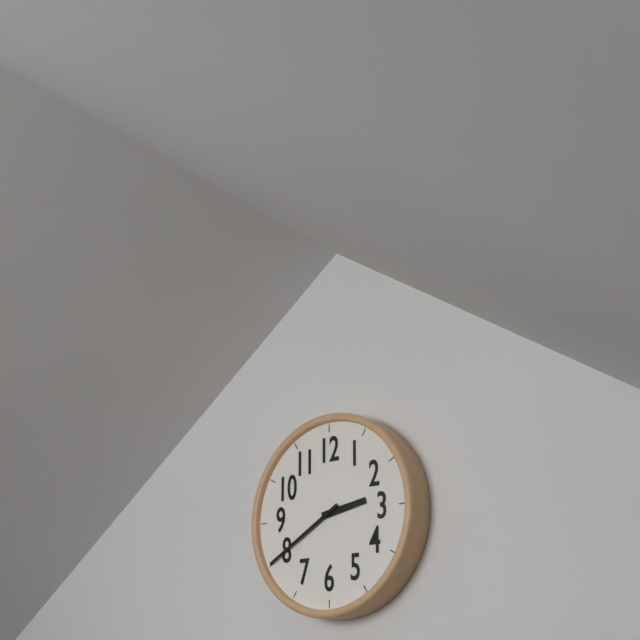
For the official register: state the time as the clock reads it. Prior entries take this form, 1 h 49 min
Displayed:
2 h 40 min
